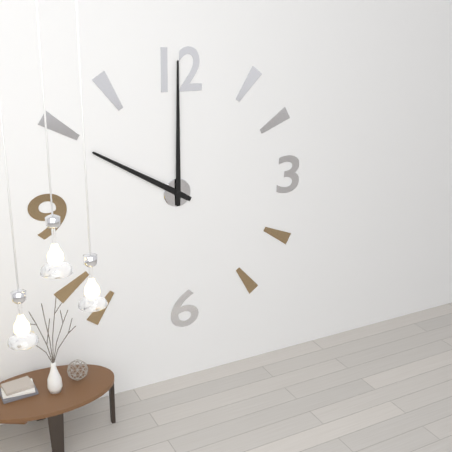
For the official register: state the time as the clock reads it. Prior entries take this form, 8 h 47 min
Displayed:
10 h 00 min
